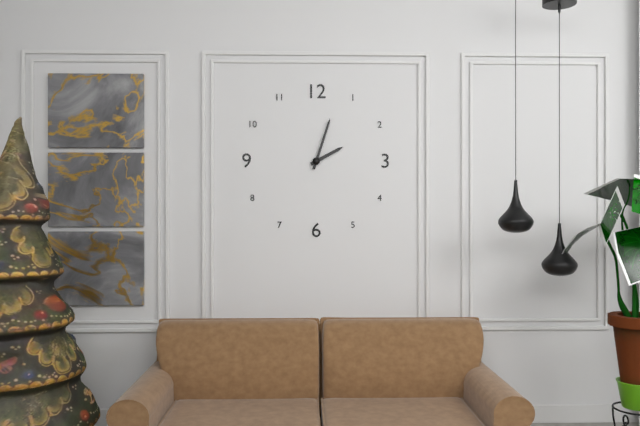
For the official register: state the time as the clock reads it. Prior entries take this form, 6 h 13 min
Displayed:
2 h 03 min
